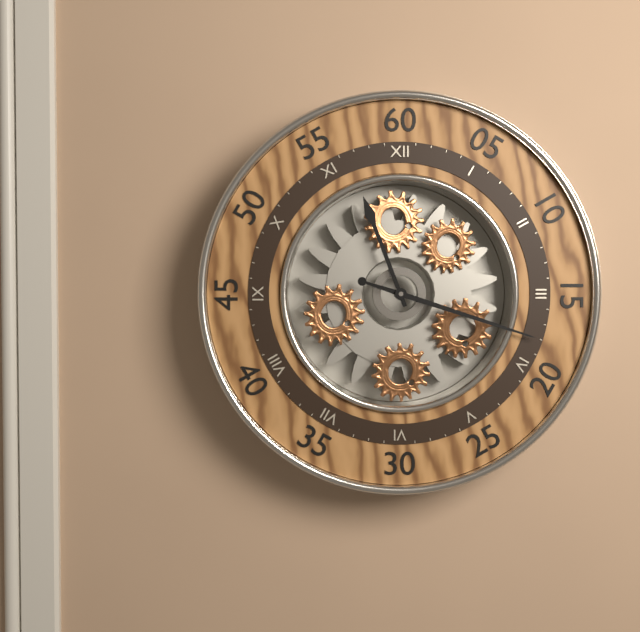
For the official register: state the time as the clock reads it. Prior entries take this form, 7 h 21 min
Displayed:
11 h 18 min
